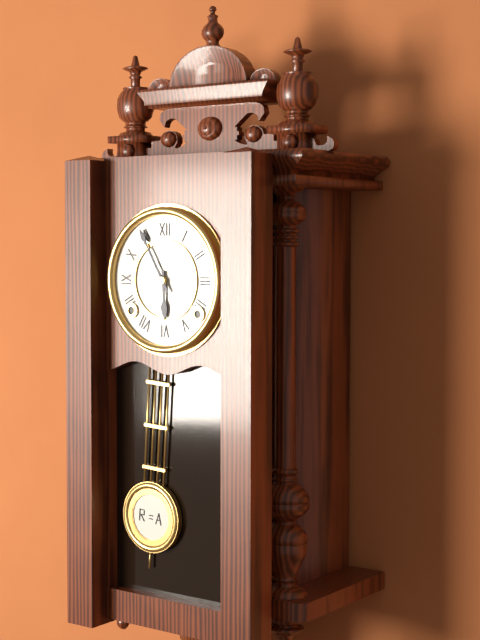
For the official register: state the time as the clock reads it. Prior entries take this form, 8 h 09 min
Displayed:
5 h 55 min
